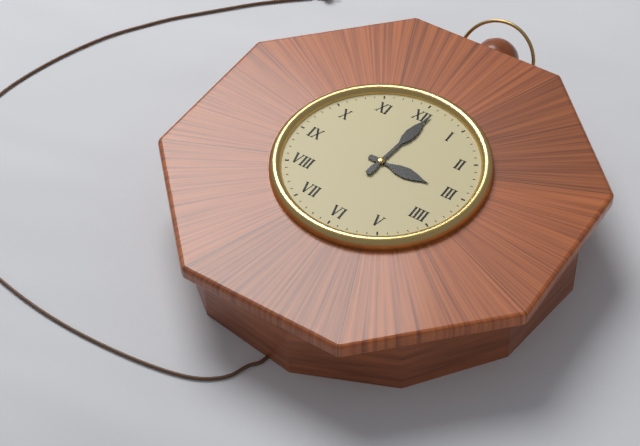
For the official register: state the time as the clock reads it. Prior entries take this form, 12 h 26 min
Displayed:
3 h 01 min
